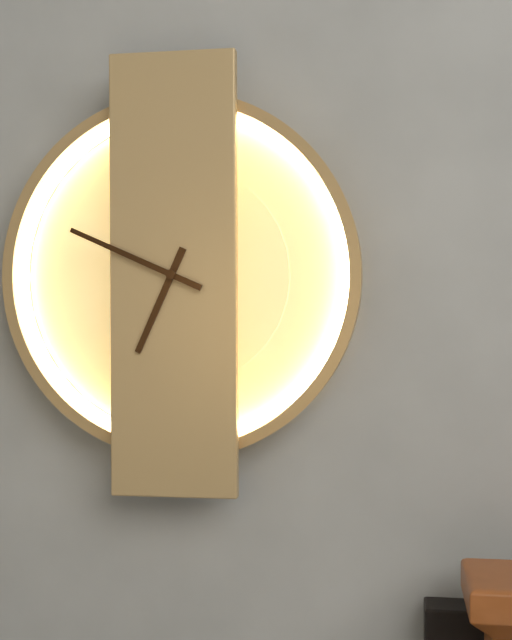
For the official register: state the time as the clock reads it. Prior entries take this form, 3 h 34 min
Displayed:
6 h 49 min
